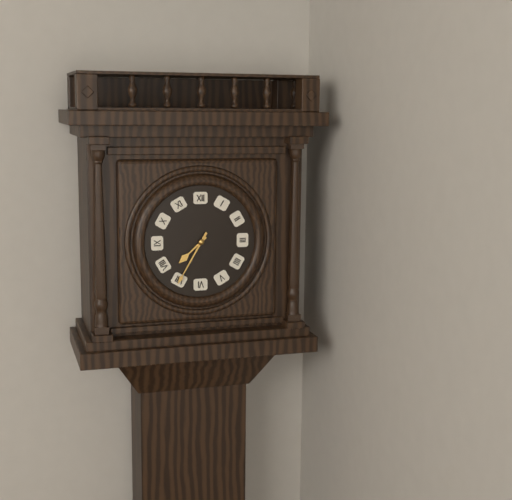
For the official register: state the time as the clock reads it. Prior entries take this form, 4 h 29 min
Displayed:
7 h 35 min
